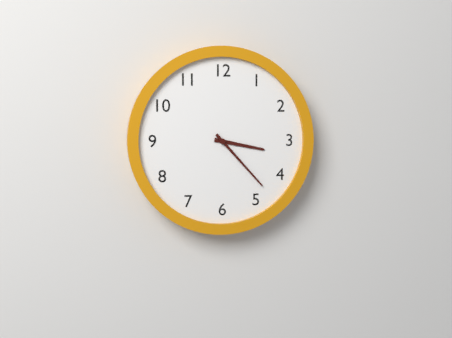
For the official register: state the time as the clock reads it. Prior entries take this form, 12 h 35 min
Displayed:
3 h 23 min
